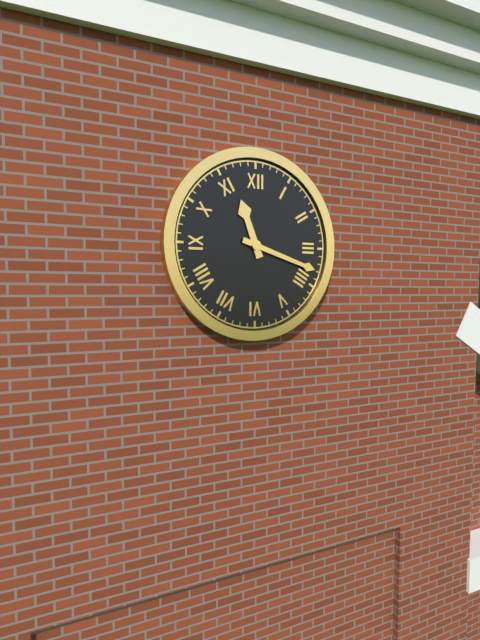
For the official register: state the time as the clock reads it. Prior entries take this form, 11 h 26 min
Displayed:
11 h 18 min
